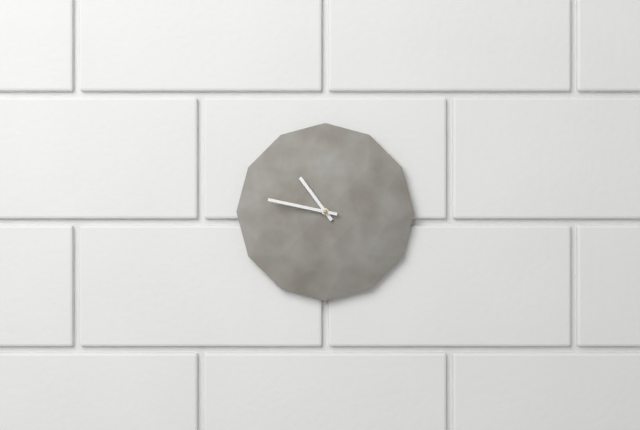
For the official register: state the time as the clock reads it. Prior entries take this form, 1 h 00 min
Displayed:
10 h 47 min
